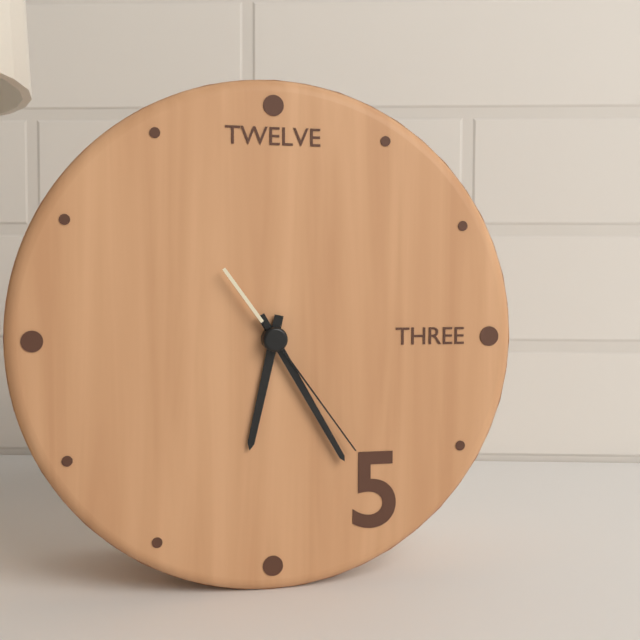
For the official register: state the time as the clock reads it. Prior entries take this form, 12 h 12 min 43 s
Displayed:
6 h 25 min 24 s
